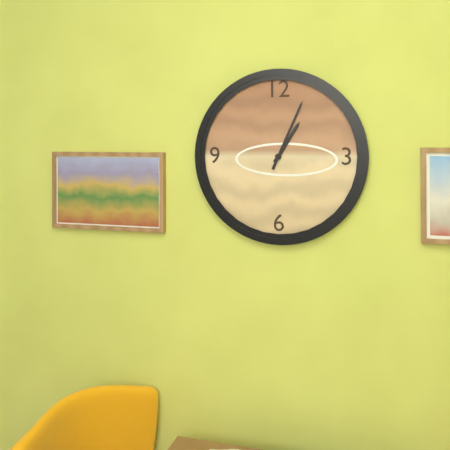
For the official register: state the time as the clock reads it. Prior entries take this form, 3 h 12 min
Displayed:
1 h 04 min
